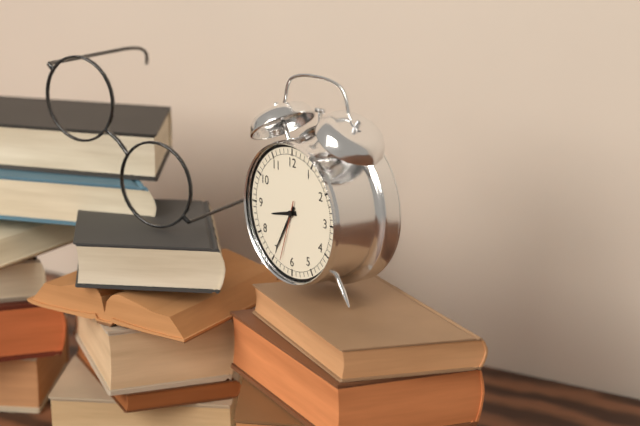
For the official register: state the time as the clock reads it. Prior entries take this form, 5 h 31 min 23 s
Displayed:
8 h 35 min 33 s
